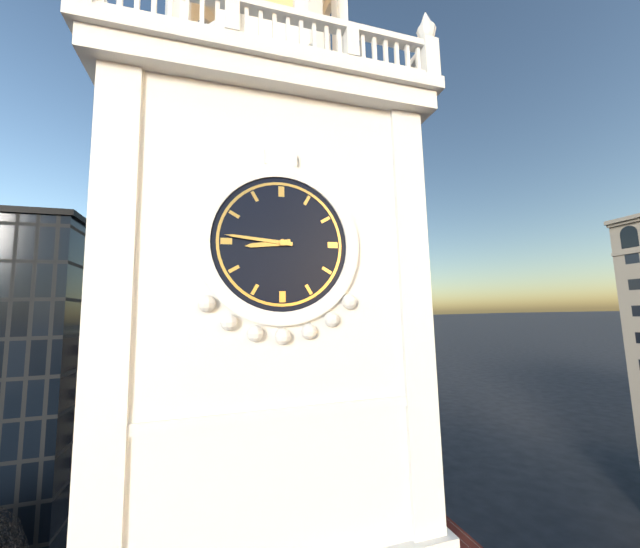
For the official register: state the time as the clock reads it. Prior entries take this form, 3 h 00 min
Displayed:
8 h 46 min
